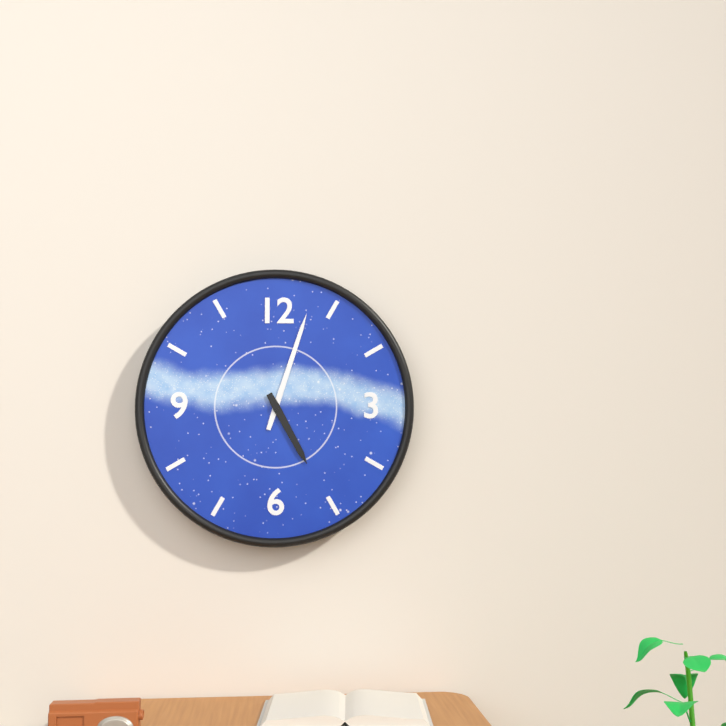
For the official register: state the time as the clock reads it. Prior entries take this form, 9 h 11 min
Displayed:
5 h 03 min
